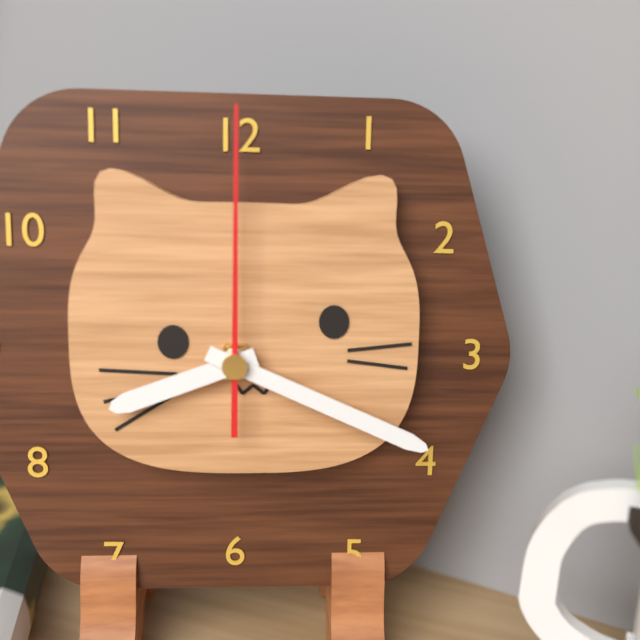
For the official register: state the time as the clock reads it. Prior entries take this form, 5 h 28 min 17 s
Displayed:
8 h 19 min 00 s
